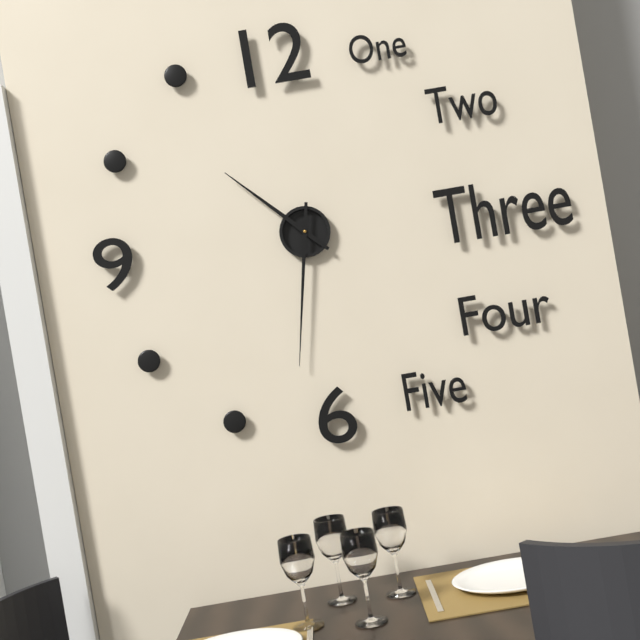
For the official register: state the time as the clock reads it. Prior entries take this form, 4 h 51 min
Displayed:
10 h 32 min
